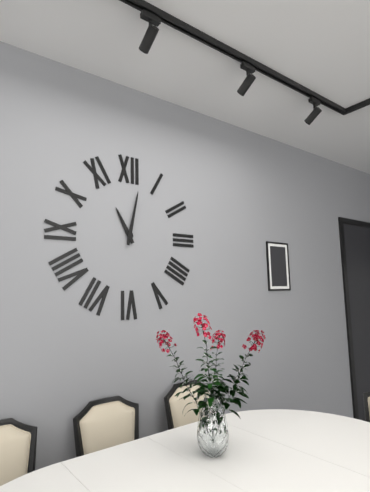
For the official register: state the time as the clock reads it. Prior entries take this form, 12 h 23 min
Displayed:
11 h 02 min
